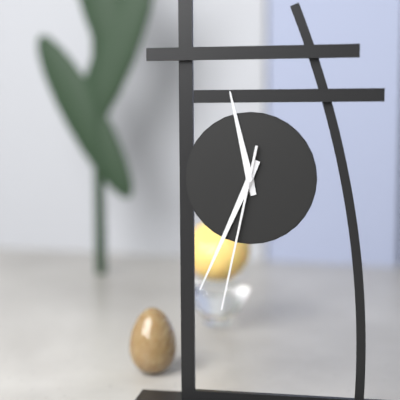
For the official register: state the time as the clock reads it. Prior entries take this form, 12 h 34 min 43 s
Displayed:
11 h 34 min 32 s
